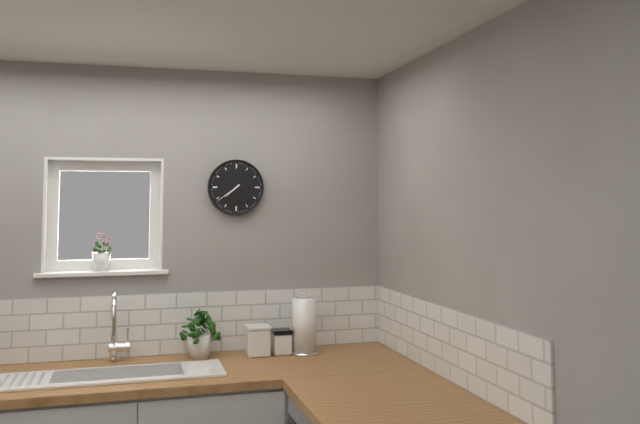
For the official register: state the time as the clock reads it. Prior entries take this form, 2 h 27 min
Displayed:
7 h 39 min
